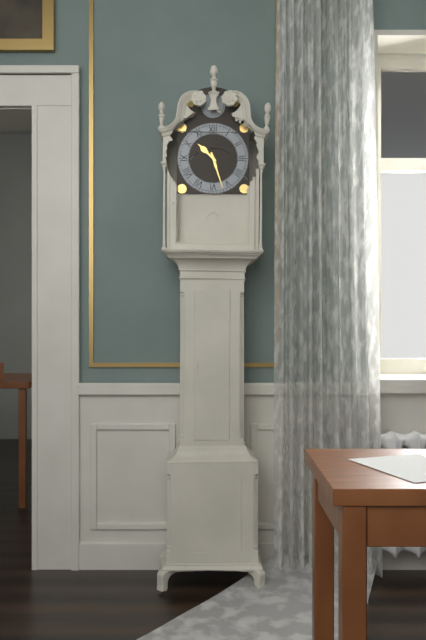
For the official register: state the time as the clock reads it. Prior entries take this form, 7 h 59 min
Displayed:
10 h 27 min
